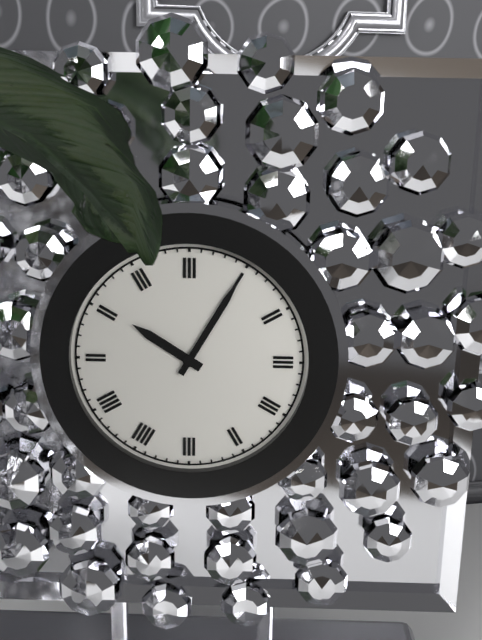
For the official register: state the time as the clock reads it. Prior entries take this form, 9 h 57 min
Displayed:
10 h 05 min
